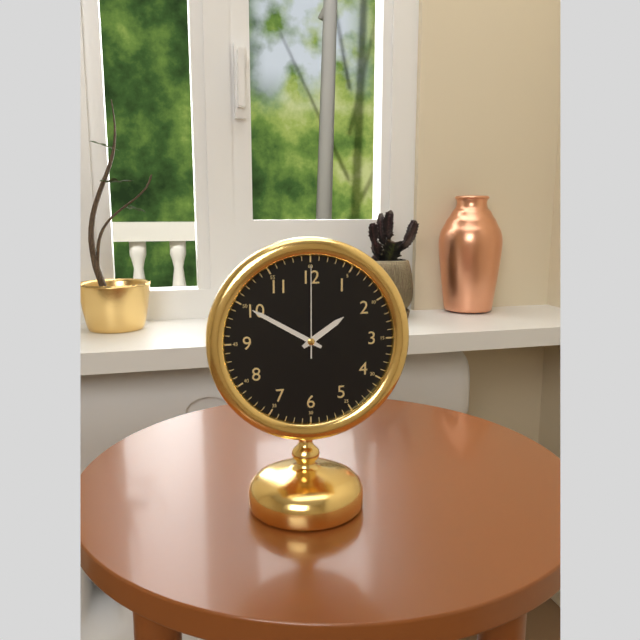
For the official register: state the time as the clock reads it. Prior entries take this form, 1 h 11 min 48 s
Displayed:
1 h 50 min 00 s
